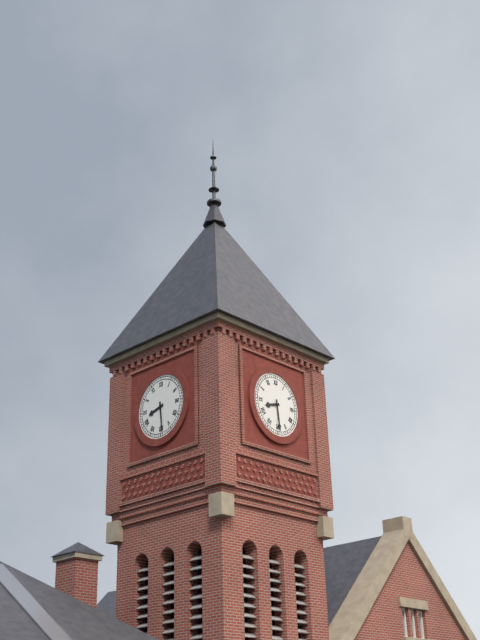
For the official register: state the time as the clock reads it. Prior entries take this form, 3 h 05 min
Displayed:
8 h 29 min
